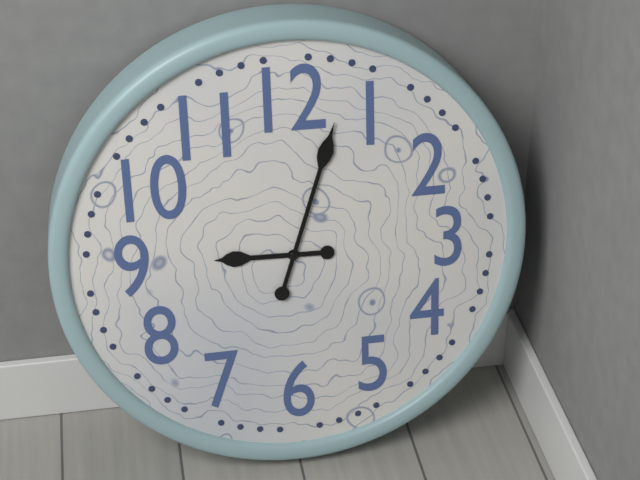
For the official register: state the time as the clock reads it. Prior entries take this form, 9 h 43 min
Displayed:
9 h 03 min
